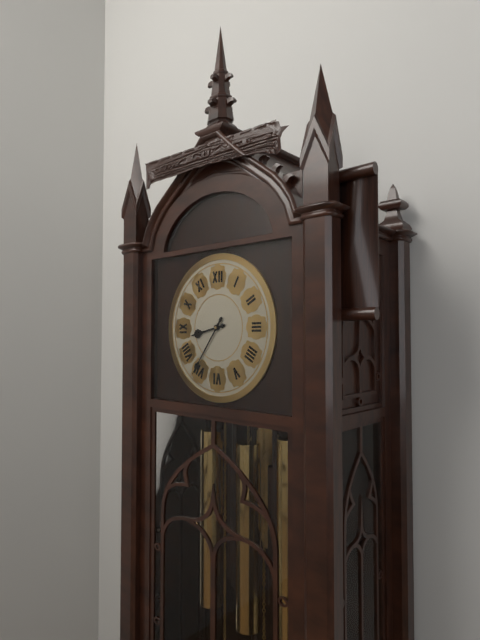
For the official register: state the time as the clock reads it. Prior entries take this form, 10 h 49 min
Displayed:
8 h 36 min
